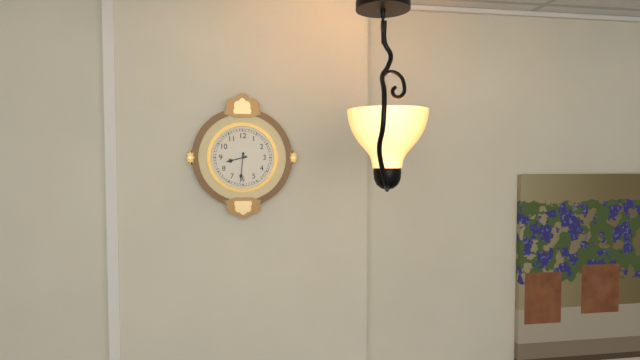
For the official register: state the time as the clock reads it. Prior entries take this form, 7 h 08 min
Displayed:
8 h 31 min
